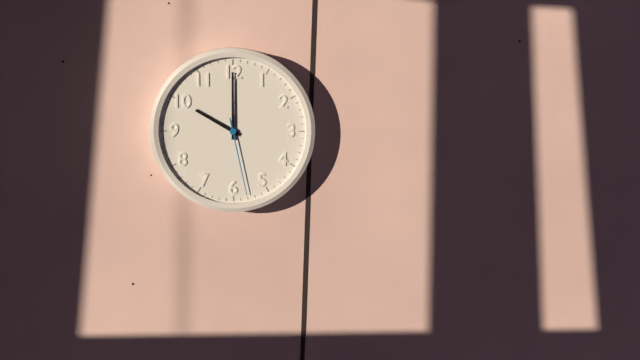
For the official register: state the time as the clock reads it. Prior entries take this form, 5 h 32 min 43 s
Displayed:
10 h 00 min 28 s
